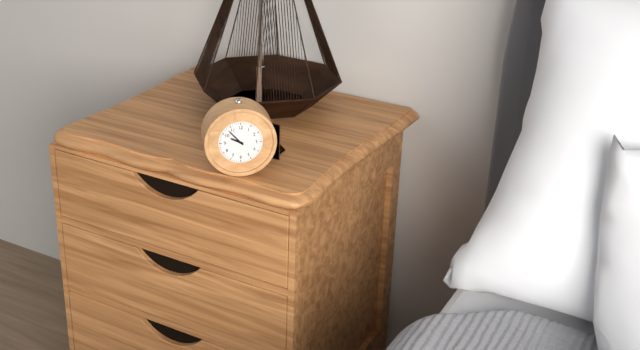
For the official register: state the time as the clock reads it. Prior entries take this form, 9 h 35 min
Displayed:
9 h 53 min
